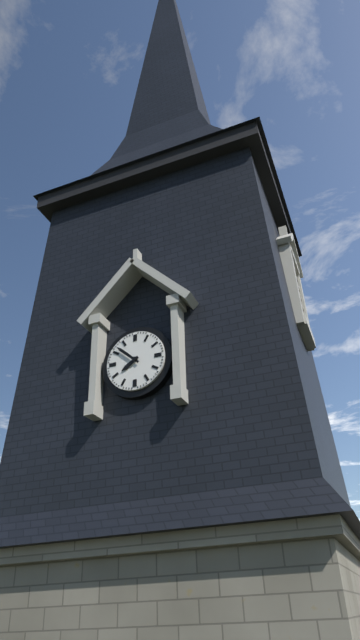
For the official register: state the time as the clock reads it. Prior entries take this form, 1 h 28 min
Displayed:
7 h 52 min
